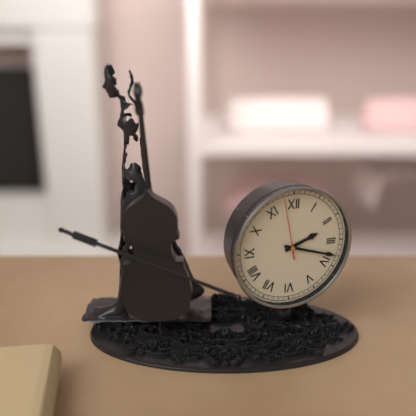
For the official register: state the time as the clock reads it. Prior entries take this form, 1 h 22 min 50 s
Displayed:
2 h 18 min 58 s
